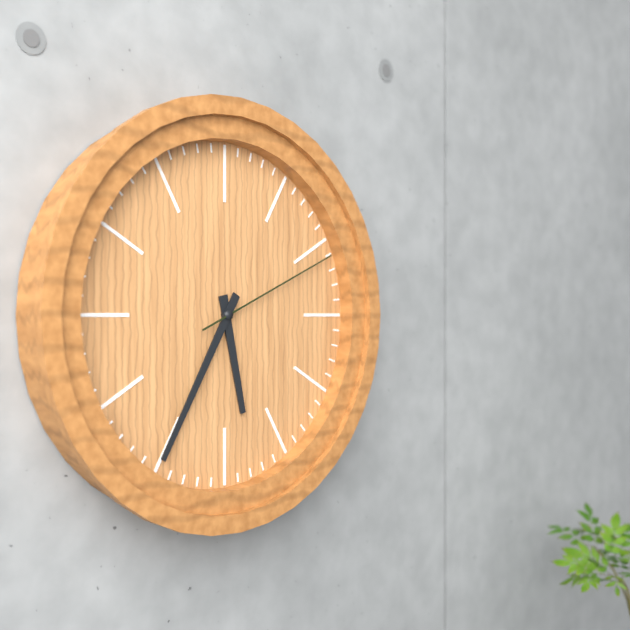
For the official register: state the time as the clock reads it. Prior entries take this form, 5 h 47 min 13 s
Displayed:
5 h 35 min 11 s
